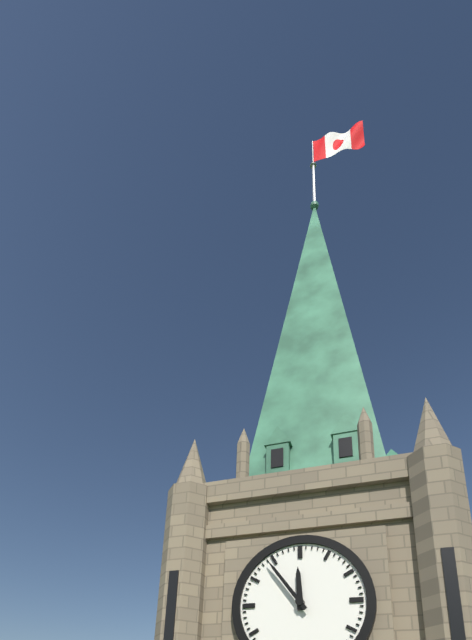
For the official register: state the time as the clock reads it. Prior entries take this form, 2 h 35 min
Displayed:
11 h 54 min
